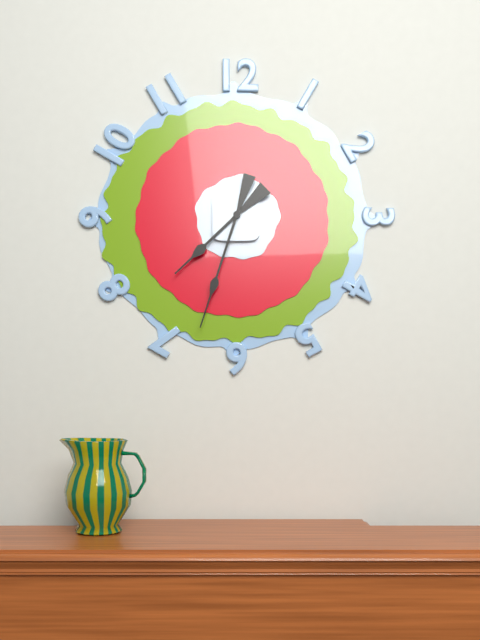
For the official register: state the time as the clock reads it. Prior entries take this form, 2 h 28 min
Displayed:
7 h 33 min
